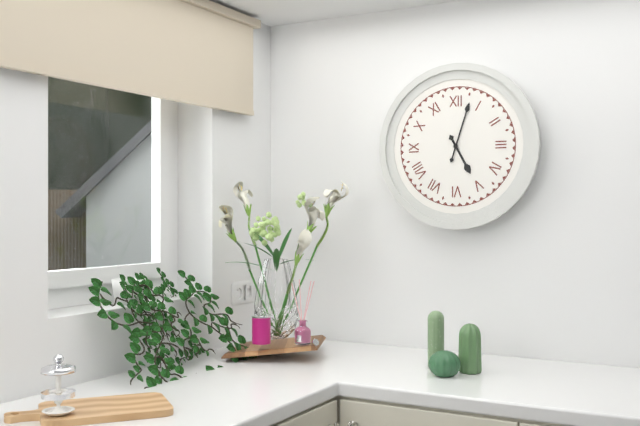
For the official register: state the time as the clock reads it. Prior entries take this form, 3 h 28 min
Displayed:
5 h 03 min
